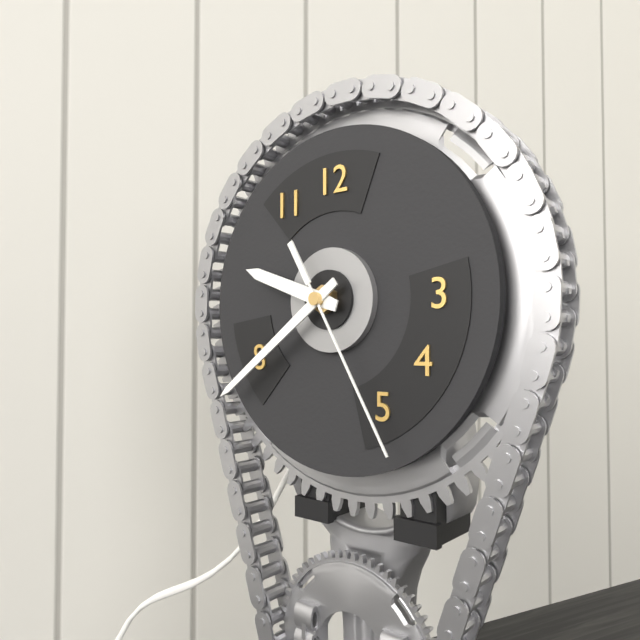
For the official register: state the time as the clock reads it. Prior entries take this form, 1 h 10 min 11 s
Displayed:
9 h 39 min 25 s
